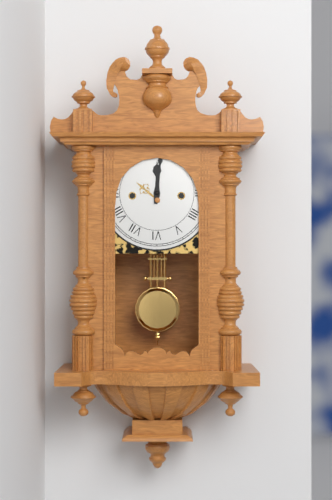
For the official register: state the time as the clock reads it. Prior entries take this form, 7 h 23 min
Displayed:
12 h 01 min
